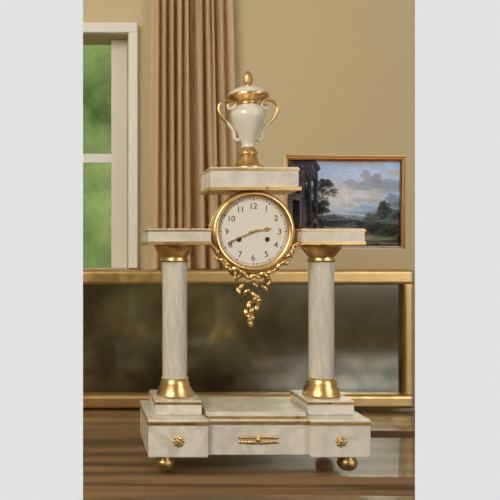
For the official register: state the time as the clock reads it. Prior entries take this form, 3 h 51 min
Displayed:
2 h 41 min
